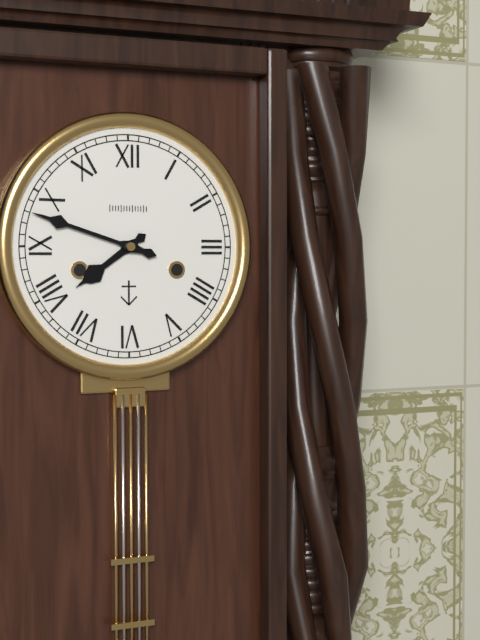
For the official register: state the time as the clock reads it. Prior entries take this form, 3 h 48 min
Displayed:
7 h 48 min
